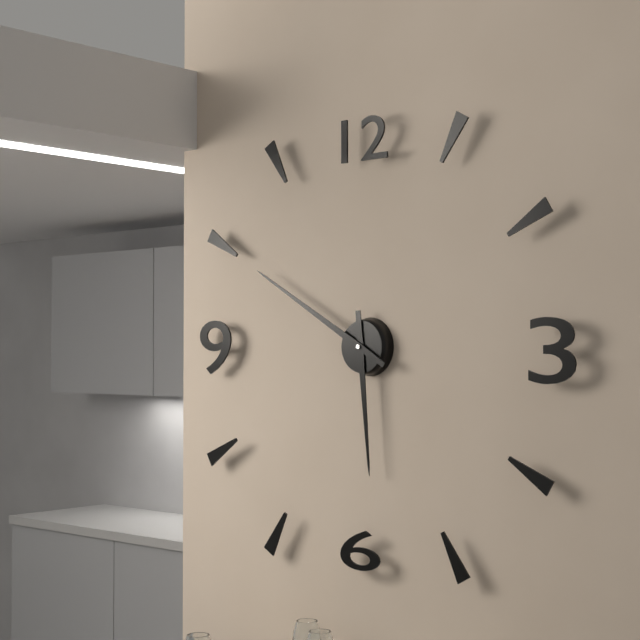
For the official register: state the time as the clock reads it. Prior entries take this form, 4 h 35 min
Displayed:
5 h 50 min
